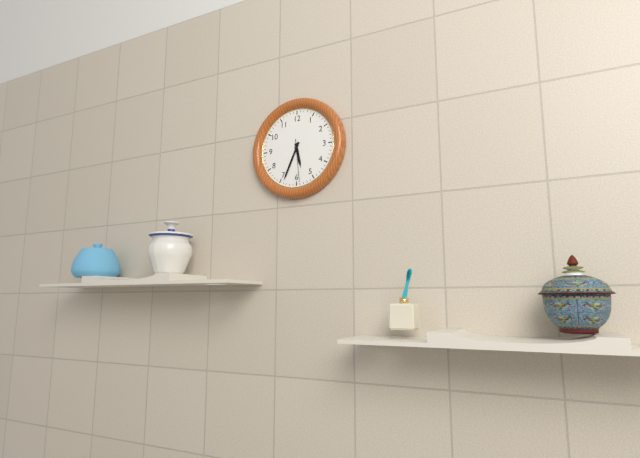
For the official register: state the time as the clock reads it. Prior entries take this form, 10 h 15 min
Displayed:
5 h 34 min
